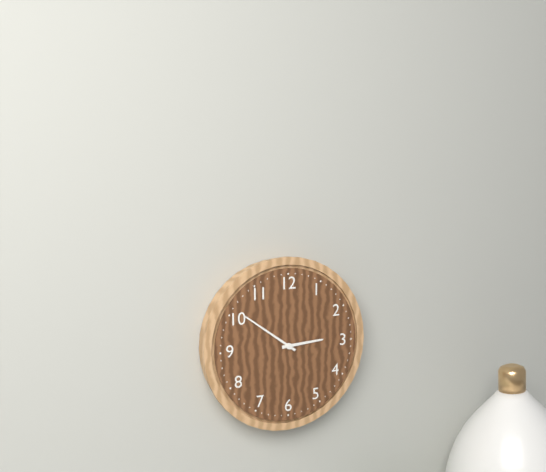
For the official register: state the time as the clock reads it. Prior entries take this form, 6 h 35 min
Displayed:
2 h 51 min
